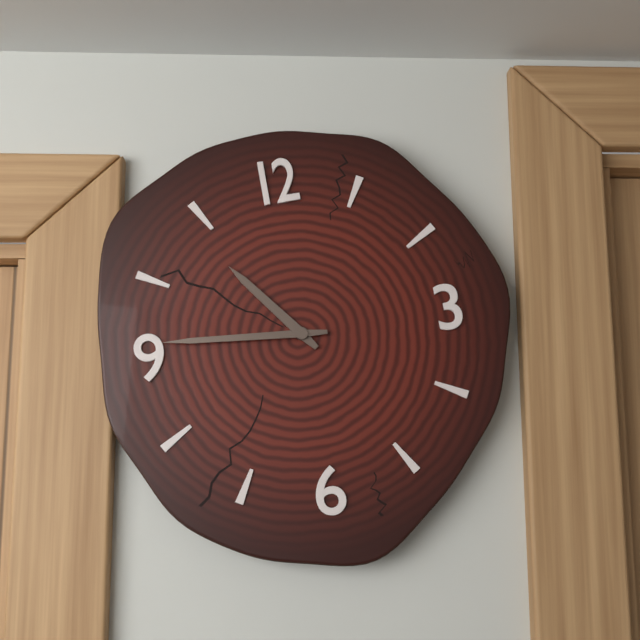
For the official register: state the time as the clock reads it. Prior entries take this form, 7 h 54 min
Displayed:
10 h 46 min
